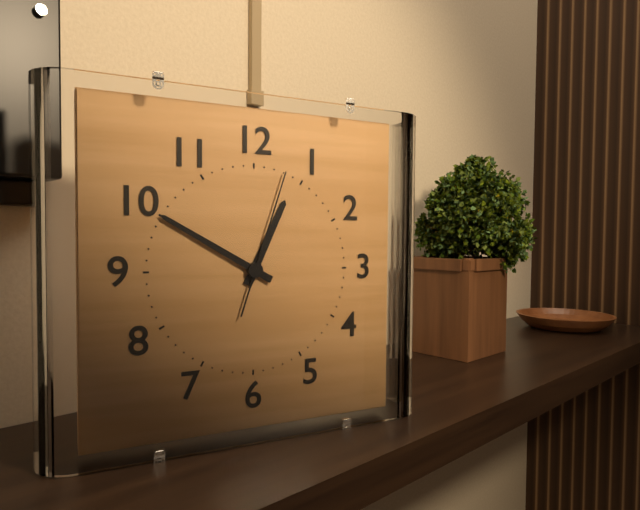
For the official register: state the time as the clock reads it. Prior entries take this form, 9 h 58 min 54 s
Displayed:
12 h 50 min 03 s
